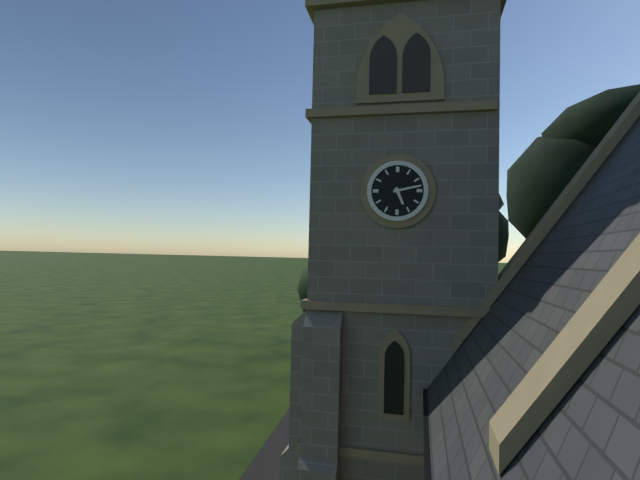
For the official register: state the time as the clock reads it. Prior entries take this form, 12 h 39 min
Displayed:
5 h 13 min
